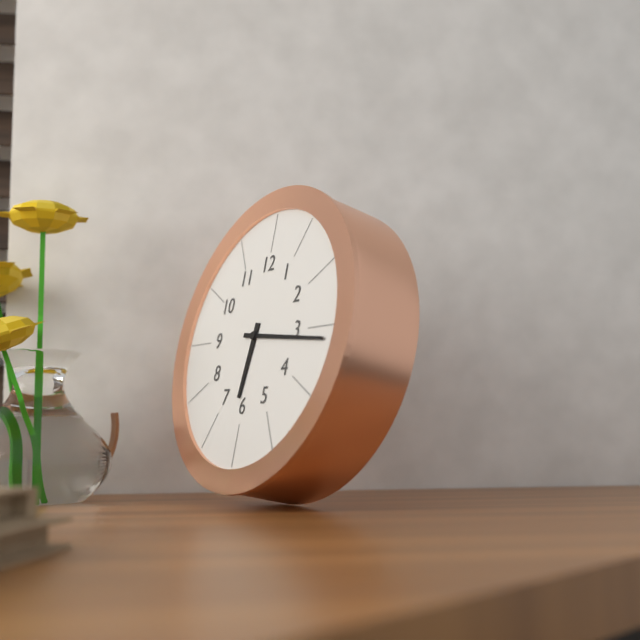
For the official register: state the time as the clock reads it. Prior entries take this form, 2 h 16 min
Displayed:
6 h 16 min
